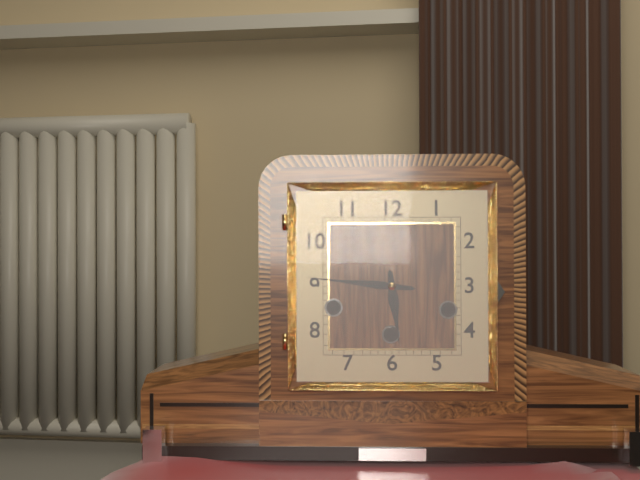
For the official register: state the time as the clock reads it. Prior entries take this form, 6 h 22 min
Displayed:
5 h 46 min
